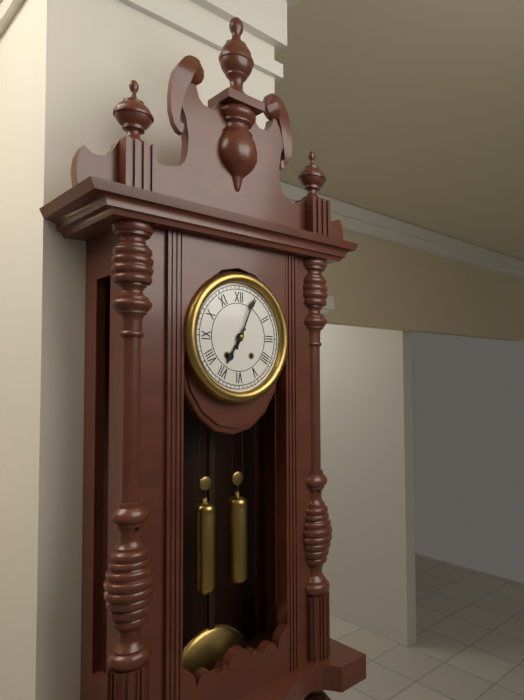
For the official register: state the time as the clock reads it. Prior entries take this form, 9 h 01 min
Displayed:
7 h 04 min
